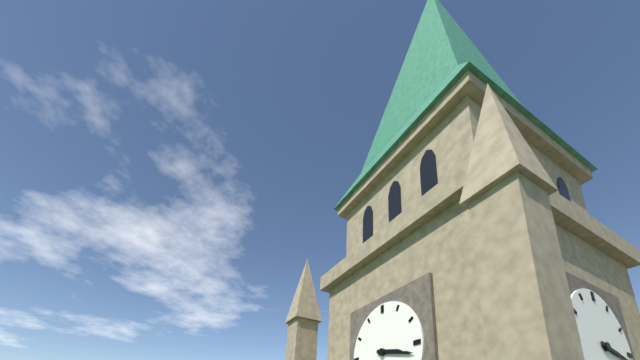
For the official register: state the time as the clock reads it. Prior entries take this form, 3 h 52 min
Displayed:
3 h 17 min
